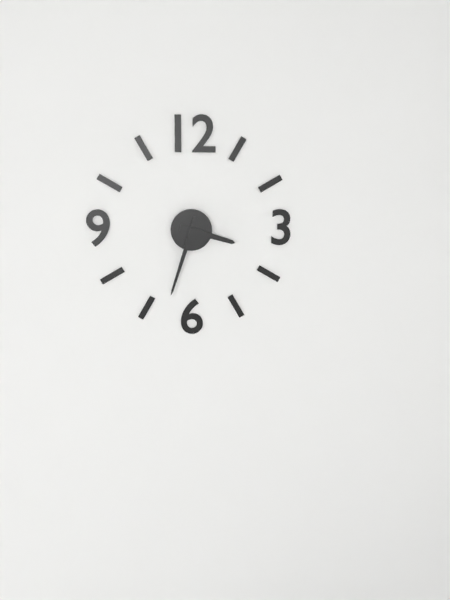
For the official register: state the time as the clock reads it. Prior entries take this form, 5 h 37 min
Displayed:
3 h 33 min
